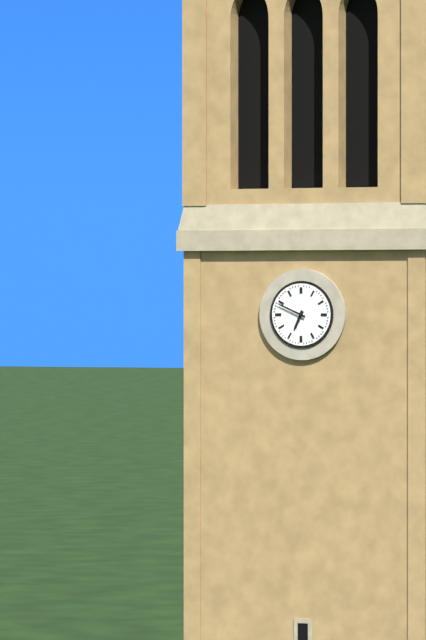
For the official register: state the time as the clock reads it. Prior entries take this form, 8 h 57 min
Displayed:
6 h 49 min
